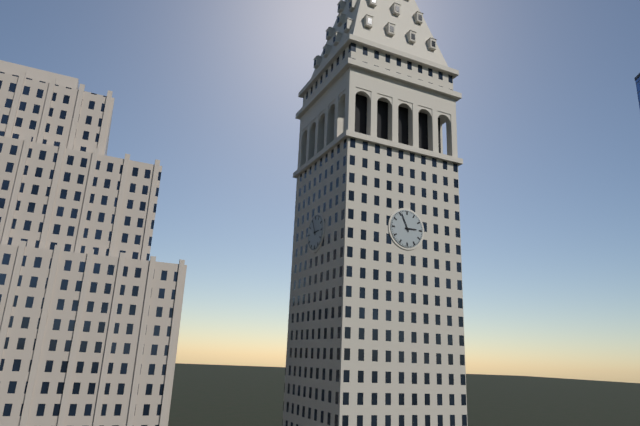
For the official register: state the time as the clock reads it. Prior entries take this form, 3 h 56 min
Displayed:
2 h 56 min
